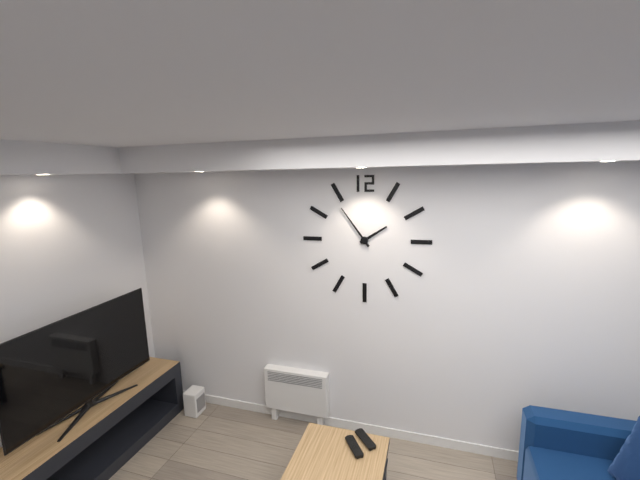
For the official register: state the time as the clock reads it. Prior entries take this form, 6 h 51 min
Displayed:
1 h 54 min
